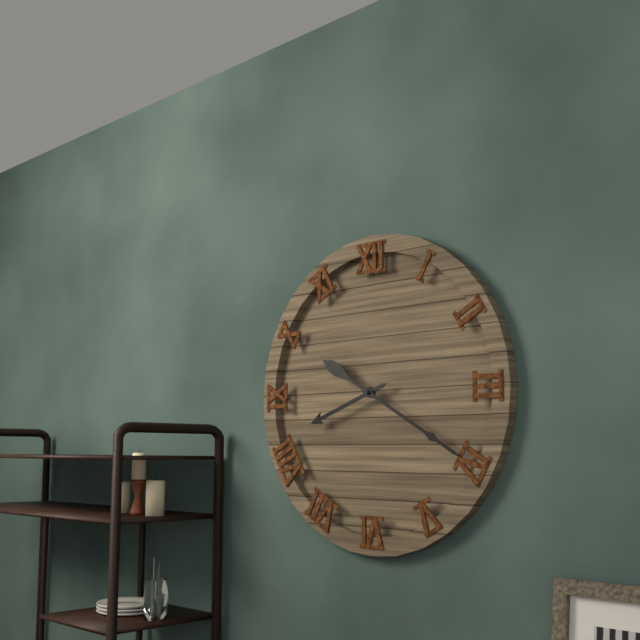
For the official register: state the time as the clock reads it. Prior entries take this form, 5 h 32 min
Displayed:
8 h 20 min
